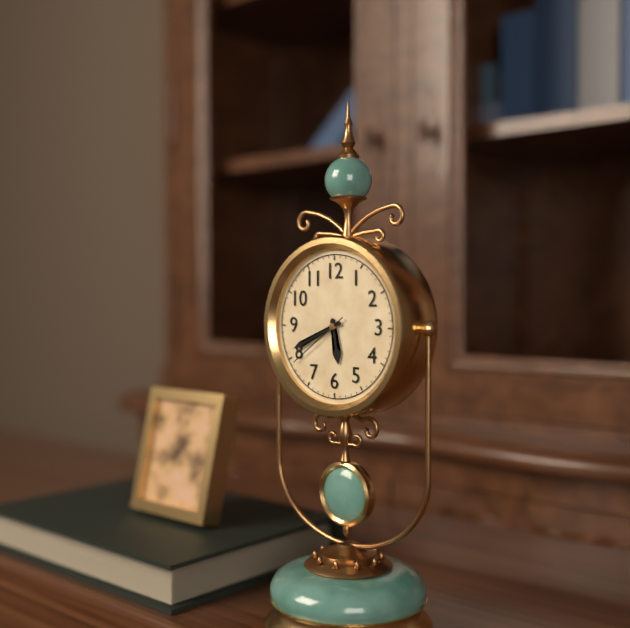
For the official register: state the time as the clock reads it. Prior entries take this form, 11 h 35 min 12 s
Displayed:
5 h 41 min 39 s
